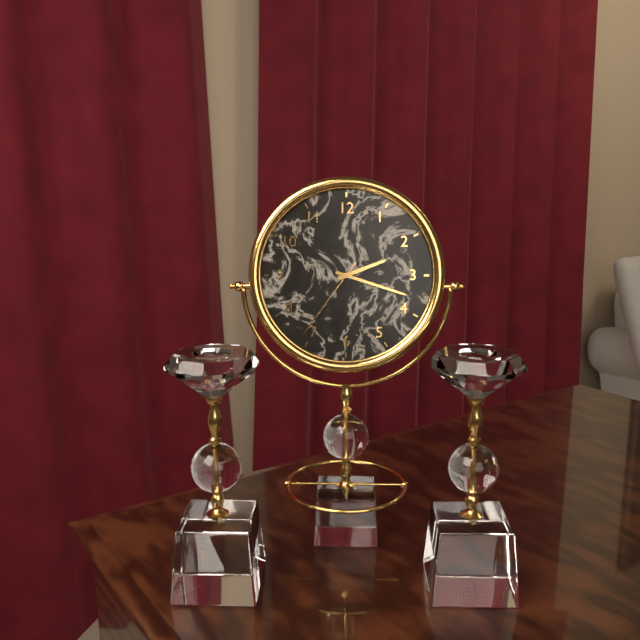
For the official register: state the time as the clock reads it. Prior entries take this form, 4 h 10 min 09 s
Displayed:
2 h 18 min 36 s
